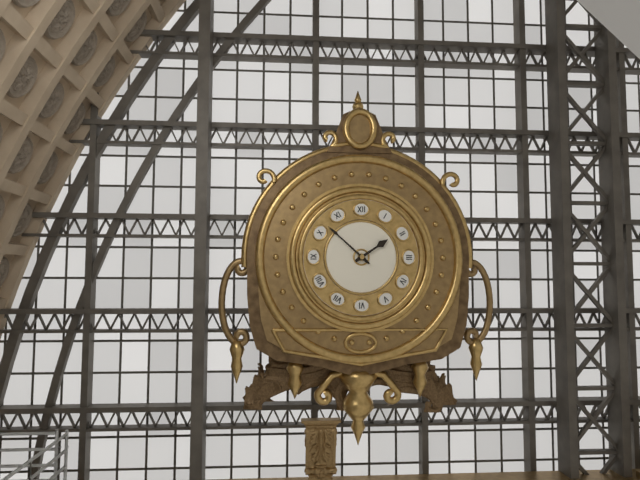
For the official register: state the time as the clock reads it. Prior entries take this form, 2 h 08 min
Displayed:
1 h 52 min
